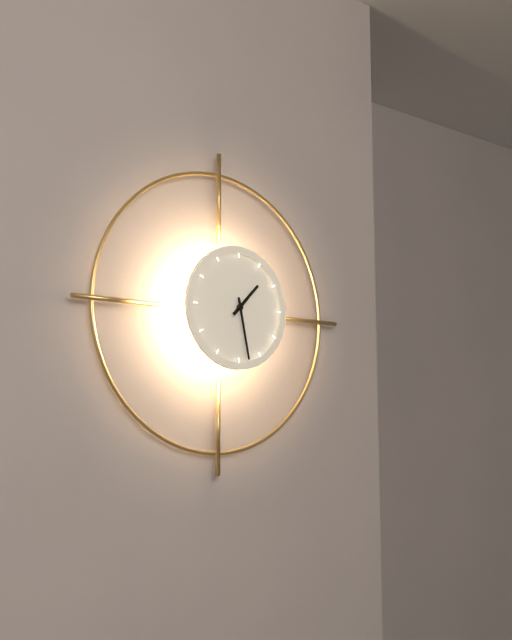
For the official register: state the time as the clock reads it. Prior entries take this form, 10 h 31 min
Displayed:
1 h 28 min
